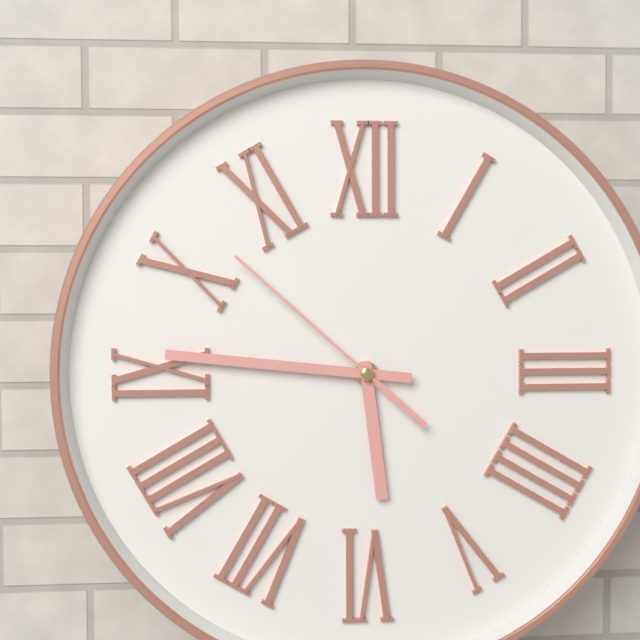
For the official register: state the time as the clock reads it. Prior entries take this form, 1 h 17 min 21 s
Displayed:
5 h 46 min 52 s
